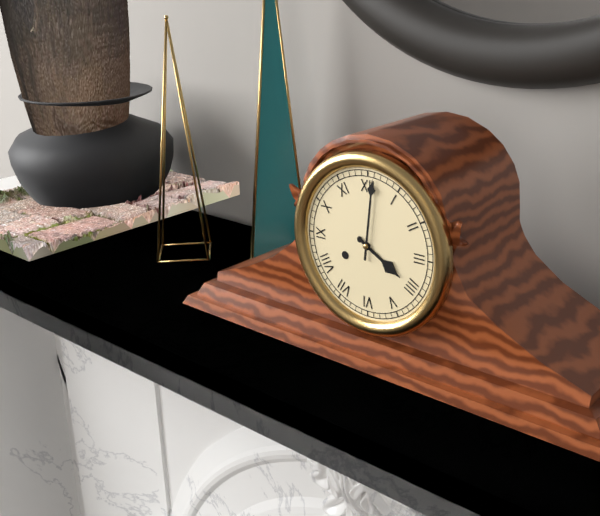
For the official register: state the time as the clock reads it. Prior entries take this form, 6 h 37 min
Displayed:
4 h 01 min
